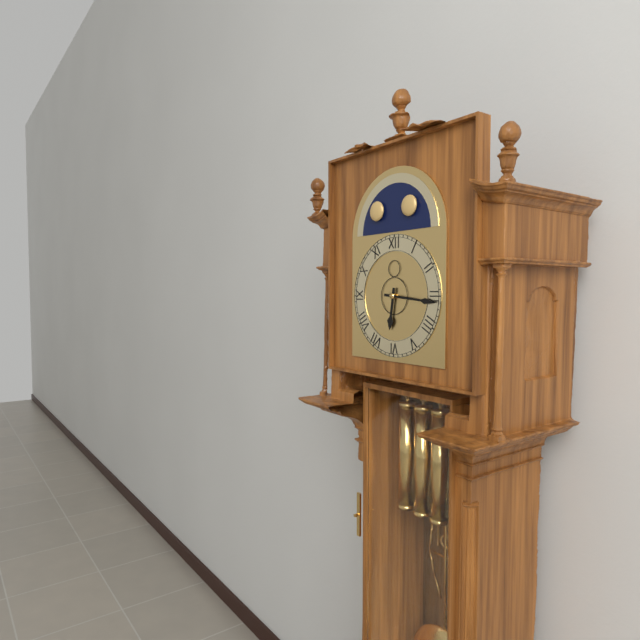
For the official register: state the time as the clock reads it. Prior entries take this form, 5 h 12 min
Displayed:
6 h 16 min
